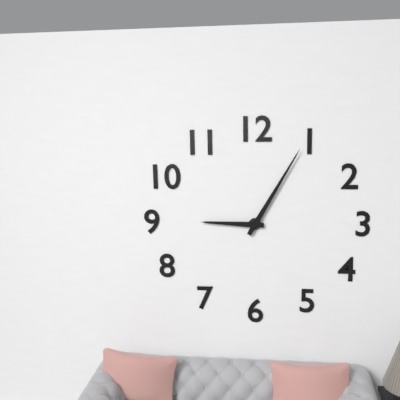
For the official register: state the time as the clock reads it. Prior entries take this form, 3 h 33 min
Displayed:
9 h 05 min
